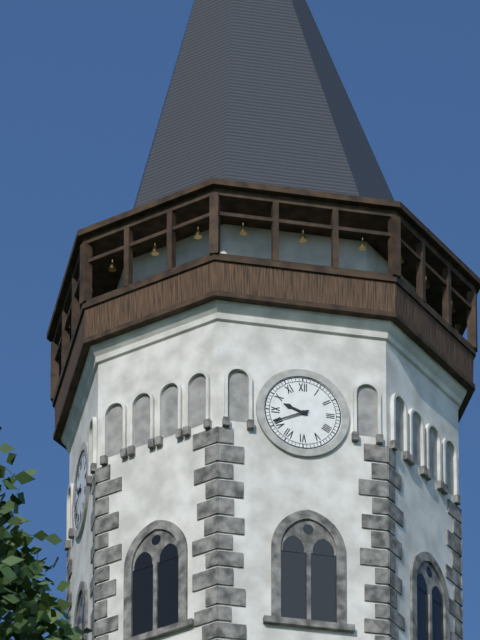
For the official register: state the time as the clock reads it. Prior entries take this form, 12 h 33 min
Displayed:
9 h 41 min
